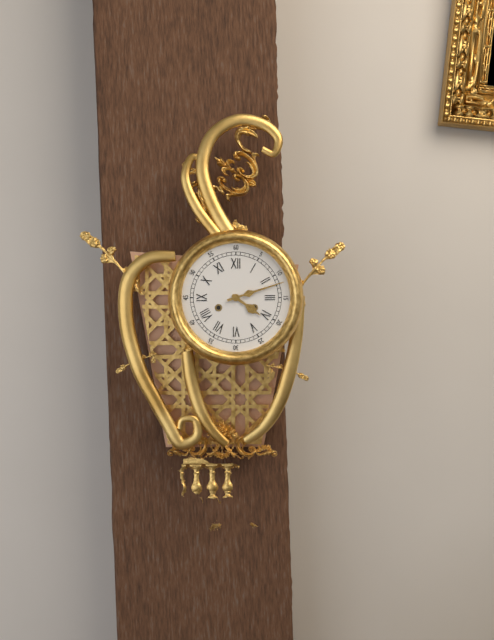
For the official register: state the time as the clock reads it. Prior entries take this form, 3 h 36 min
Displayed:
4 h 12 min
